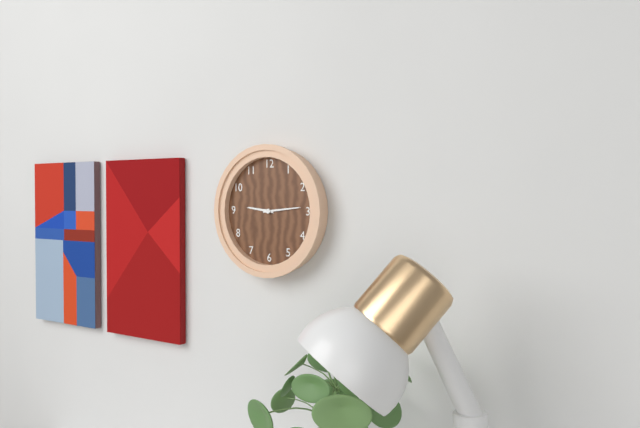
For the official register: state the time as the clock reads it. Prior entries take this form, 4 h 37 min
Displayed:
9 h 14 min
